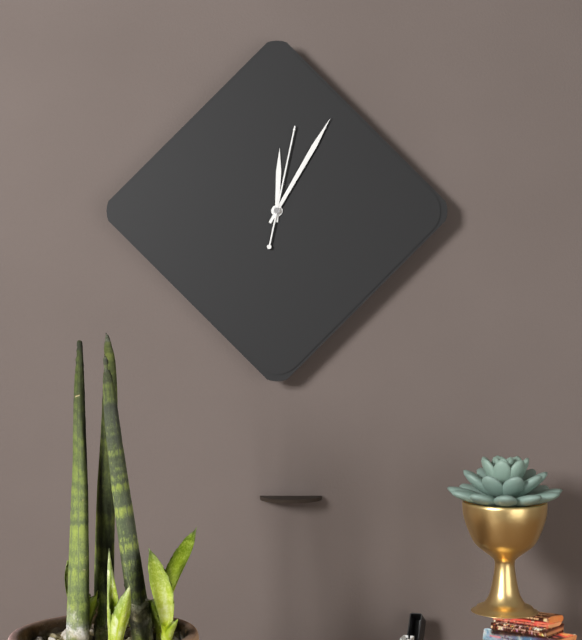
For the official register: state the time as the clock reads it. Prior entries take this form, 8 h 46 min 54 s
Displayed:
12 h 05 min 02 s
